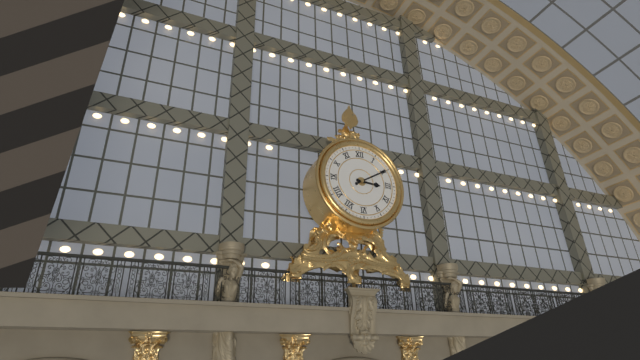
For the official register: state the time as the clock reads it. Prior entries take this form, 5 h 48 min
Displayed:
3 h 10 min
